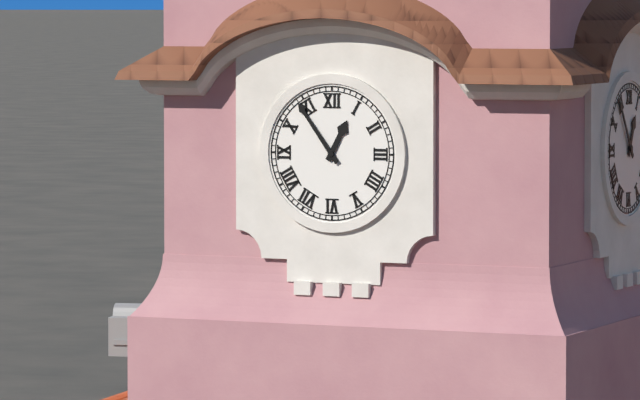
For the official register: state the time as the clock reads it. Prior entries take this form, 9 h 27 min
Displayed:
12 h 54 min
